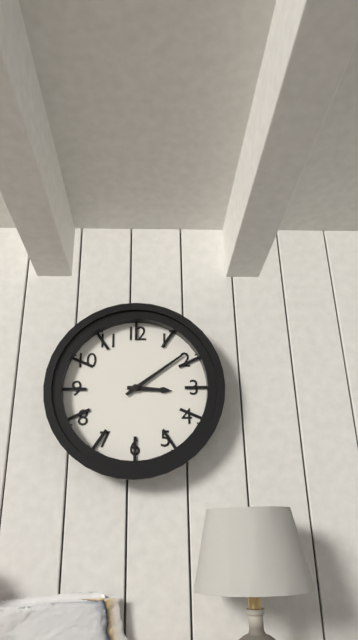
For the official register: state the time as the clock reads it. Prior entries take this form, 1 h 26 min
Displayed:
3 h 09 min
